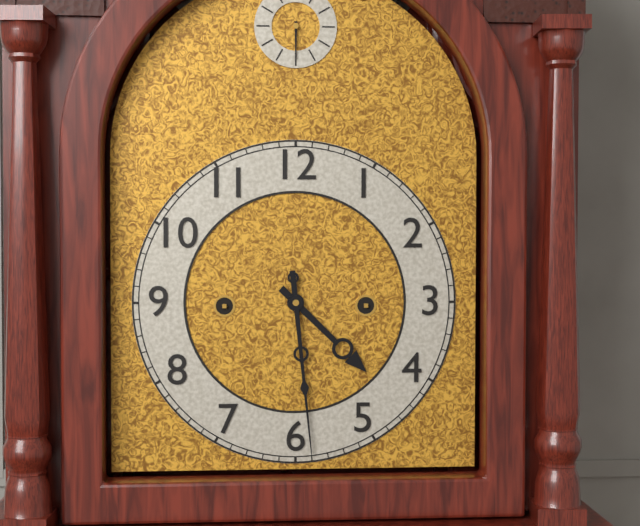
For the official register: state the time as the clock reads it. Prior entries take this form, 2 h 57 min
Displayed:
4 h 29 min
